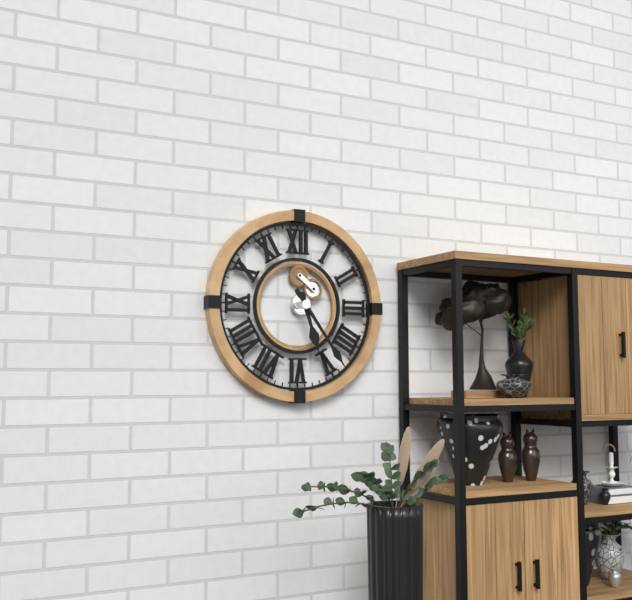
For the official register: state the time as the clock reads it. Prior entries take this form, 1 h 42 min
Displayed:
5 h 24 min
